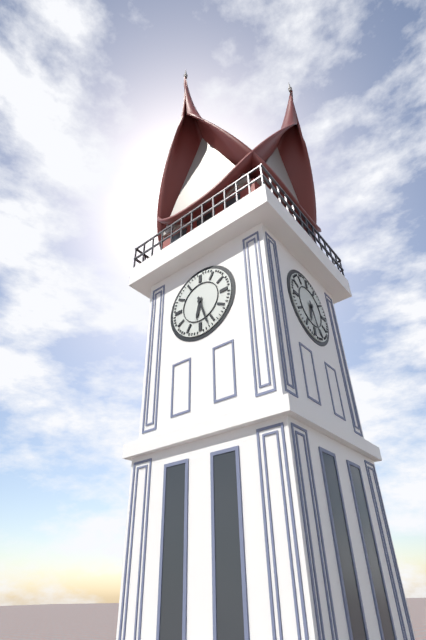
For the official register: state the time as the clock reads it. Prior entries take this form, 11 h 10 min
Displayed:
6 h 27 min
